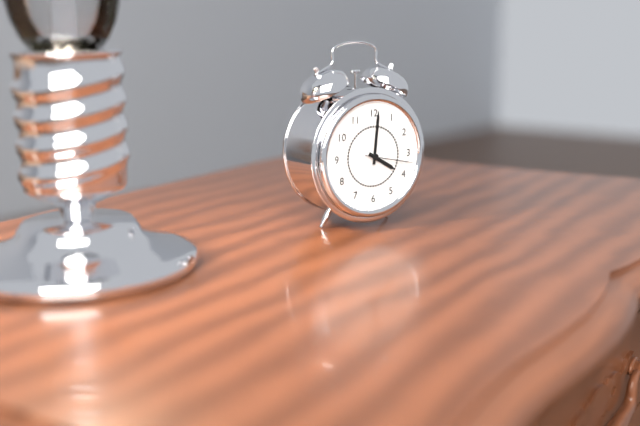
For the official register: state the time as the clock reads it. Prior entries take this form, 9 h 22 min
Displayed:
4 h 01 min
